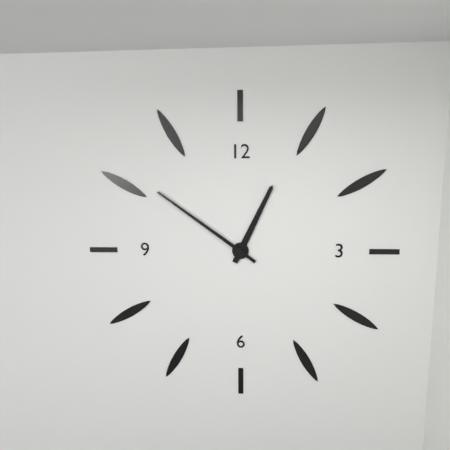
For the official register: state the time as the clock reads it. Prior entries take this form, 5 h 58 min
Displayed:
12 h 51 min
